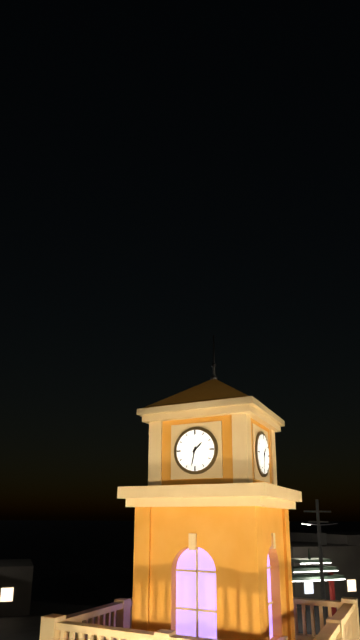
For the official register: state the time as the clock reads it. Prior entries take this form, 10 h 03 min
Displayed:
1 h 32 min
